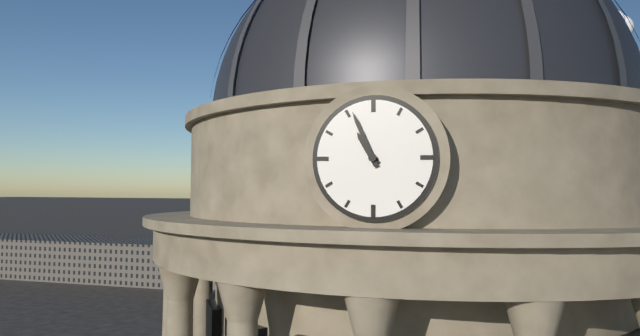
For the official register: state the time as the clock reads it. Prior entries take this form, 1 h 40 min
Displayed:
10 h 56 min
